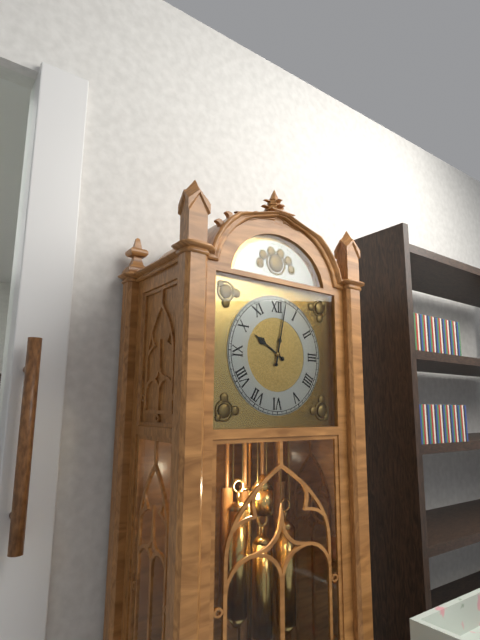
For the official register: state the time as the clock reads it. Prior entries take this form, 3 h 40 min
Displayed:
10 h 02 min
